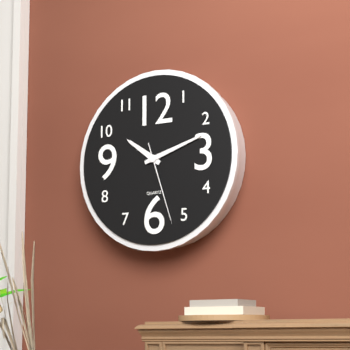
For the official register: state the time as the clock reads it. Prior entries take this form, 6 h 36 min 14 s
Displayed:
10 h 12 min 27 s
